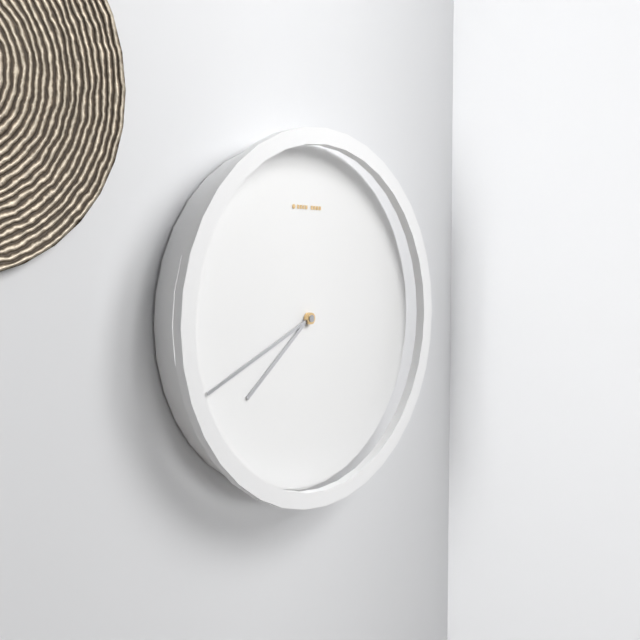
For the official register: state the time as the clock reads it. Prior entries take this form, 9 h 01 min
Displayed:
7 h 41 min
